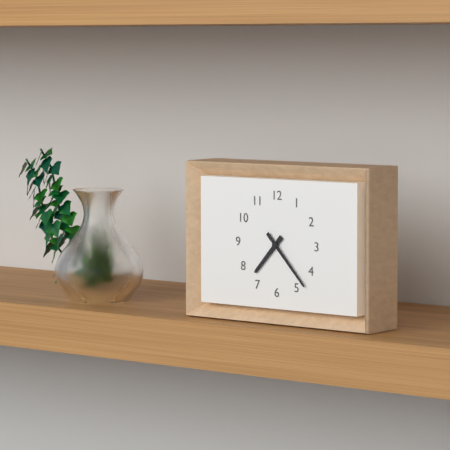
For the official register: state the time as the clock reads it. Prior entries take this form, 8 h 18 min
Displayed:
7 h 23 min
